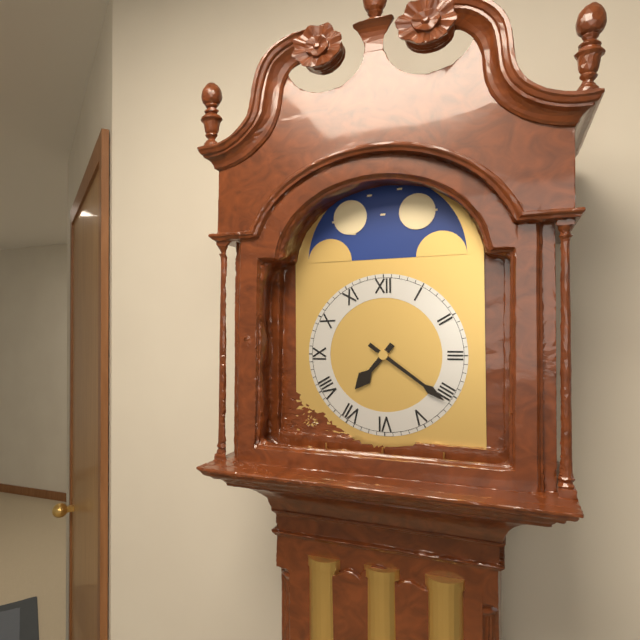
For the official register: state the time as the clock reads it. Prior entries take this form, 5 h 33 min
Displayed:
7 h 21 min
